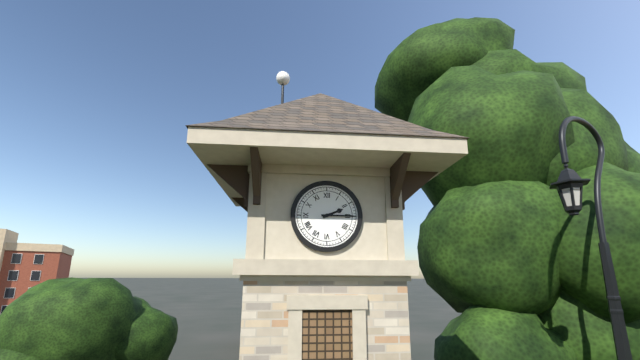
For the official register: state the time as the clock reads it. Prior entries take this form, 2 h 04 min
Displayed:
2 h 15 min
